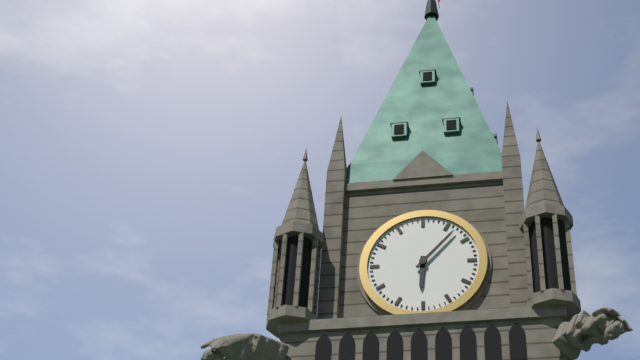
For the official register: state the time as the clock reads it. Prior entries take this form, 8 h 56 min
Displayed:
6 h 07 min
